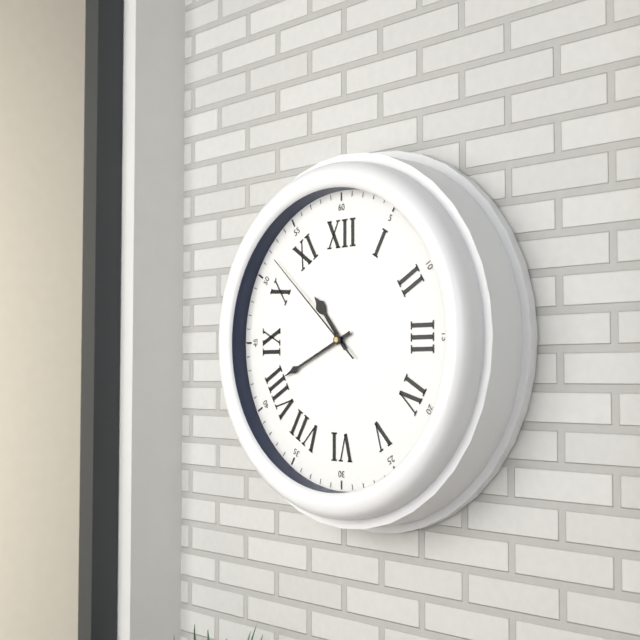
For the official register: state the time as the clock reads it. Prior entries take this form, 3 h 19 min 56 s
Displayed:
10 h 41 min 52 s
